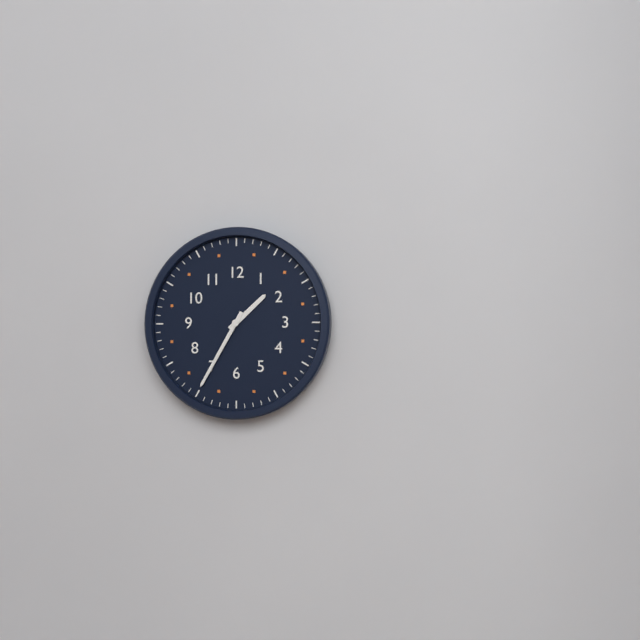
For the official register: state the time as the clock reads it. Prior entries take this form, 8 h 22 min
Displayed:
1 h 35 min
